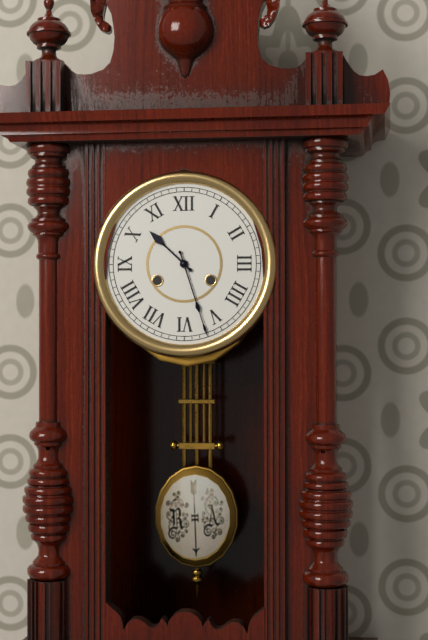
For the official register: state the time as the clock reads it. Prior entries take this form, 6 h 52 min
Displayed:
10 h 27 min
